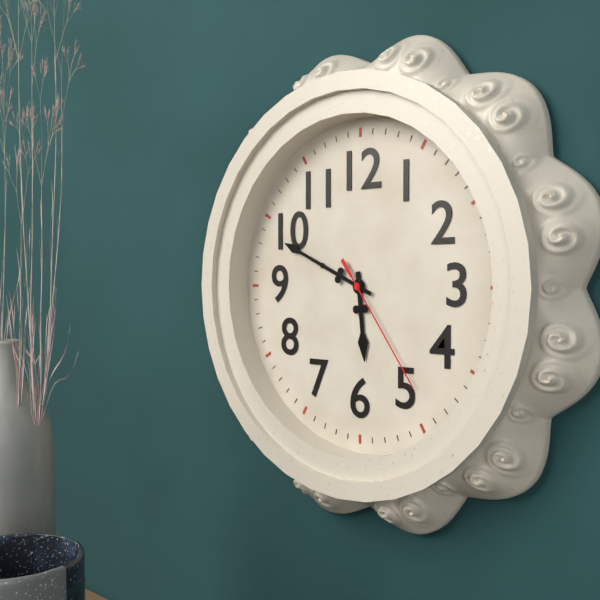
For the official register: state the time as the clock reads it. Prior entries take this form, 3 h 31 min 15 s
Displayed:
5 h 49 min 24 s
